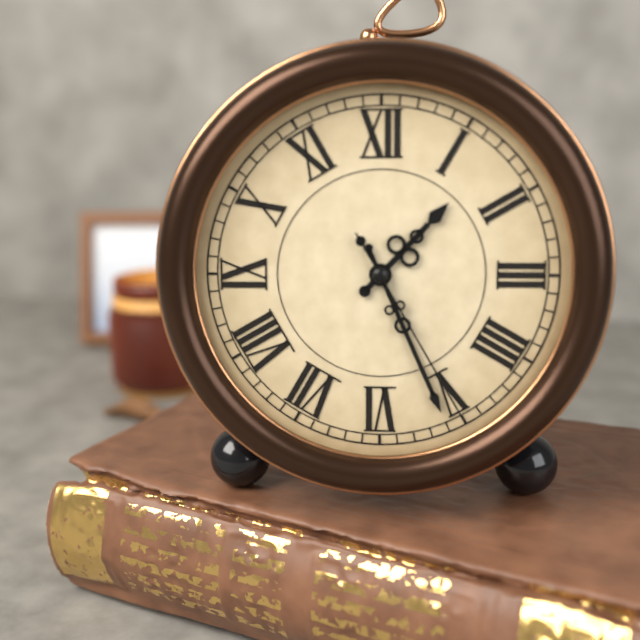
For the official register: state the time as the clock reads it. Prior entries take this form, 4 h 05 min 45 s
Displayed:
1 h 26 min 25 s
